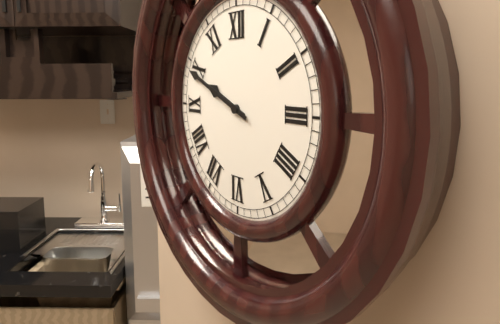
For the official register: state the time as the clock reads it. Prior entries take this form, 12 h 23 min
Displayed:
9 h 49 min
